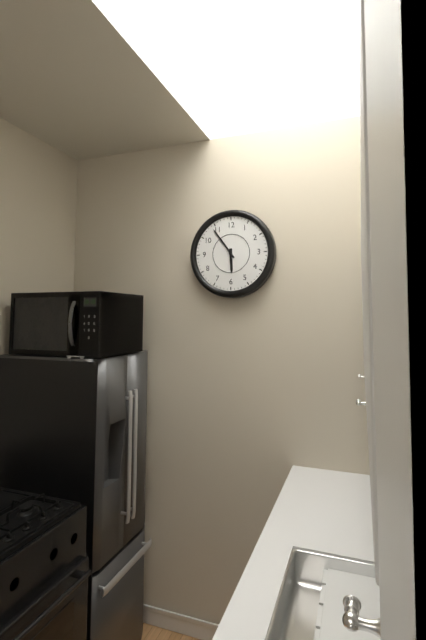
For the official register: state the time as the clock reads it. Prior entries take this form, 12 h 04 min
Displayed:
5 h 54 min
